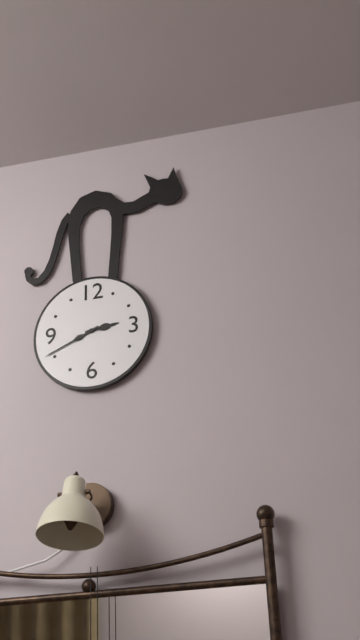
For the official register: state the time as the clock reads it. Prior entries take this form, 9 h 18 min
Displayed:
2 h 41 min
